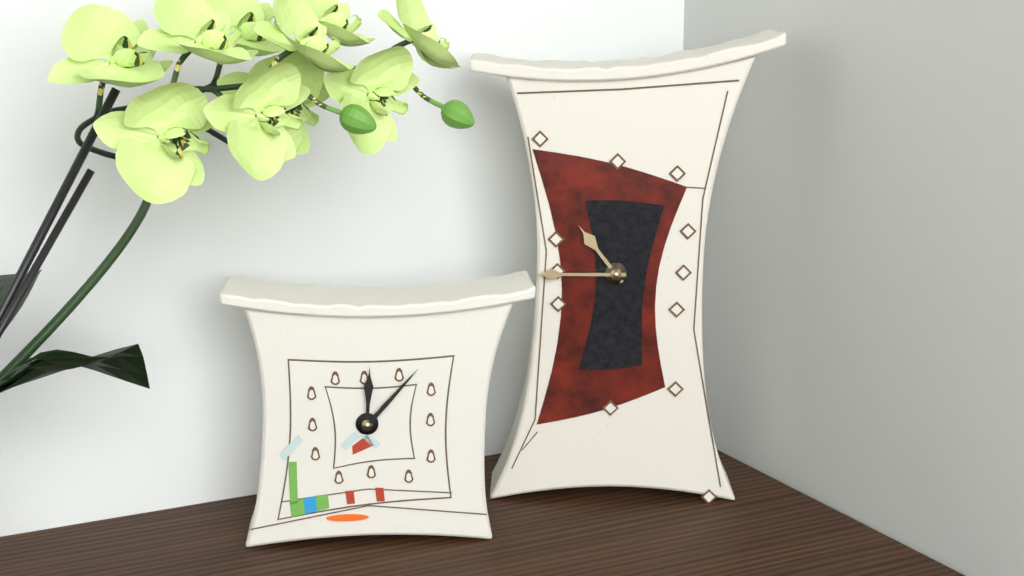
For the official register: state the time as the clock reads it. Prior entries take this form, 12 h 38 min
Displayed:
10 h 45 min
